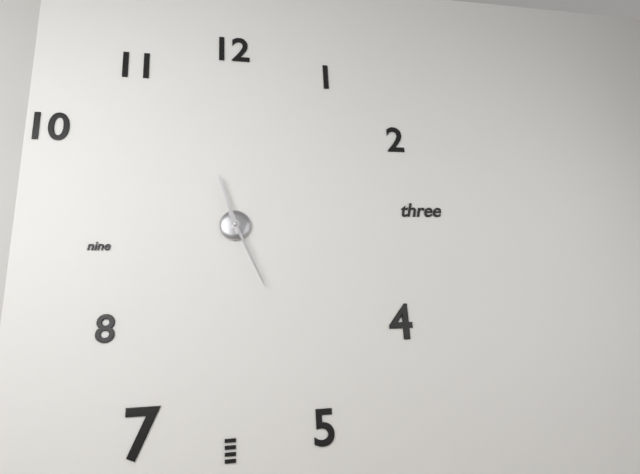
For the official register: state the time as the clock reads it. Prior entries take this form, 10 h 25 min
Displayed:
11 h 26 min
